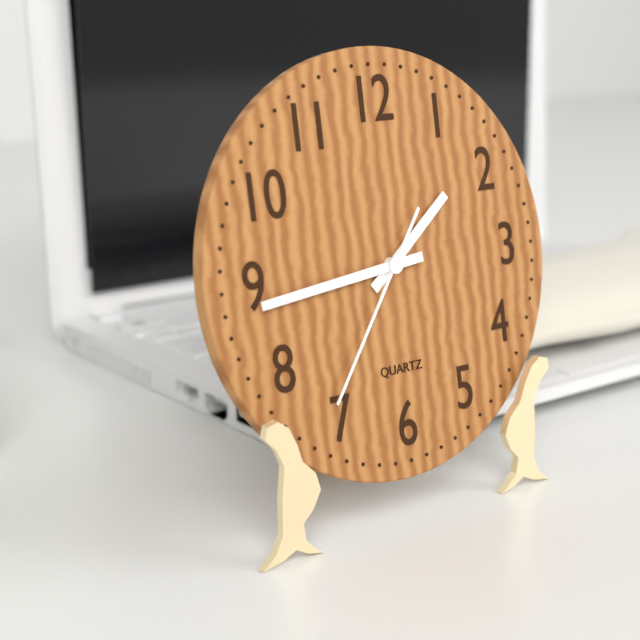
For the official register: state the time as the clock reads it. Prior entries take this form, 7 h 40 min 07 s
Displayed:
1 h 44 min 36 s
